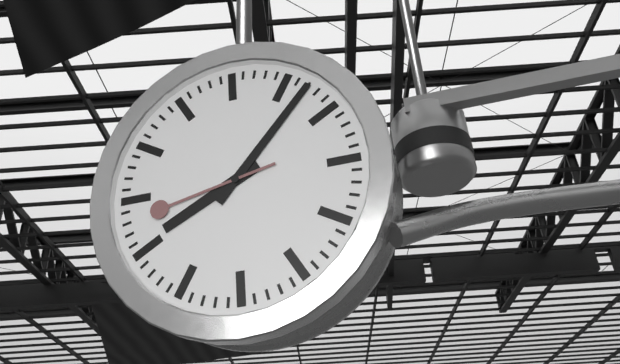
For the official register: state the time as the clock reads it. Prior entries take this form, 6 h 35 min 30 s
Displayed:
8 h 07 min 43 s
